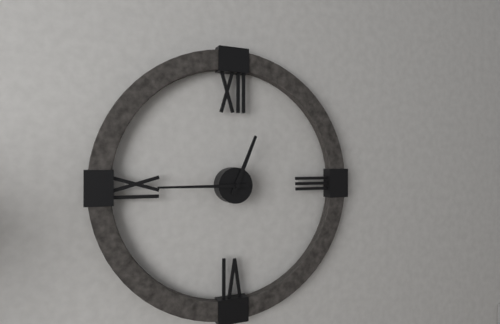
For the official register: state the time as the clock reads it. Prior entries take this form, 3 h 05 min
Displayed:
12 h 45 min
